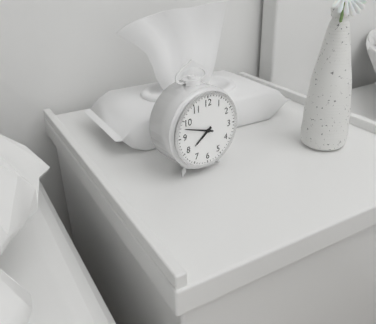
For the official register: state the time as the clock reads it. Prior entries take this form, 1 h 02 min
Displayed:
7 h 48 min
